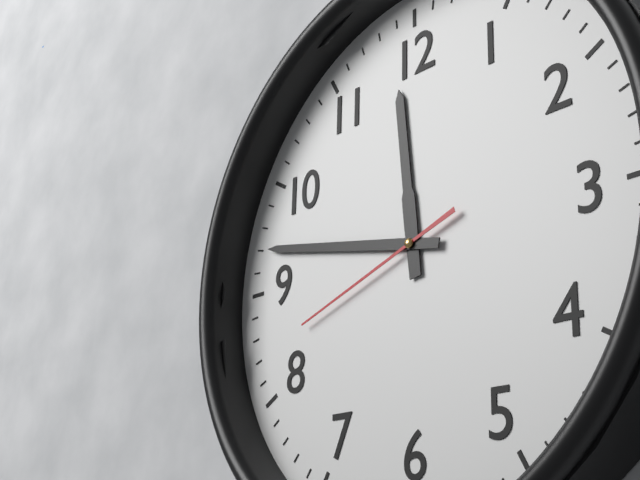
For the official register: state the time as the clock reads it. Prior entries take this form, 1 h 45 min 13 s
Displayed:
11 h 47 min 42 s
